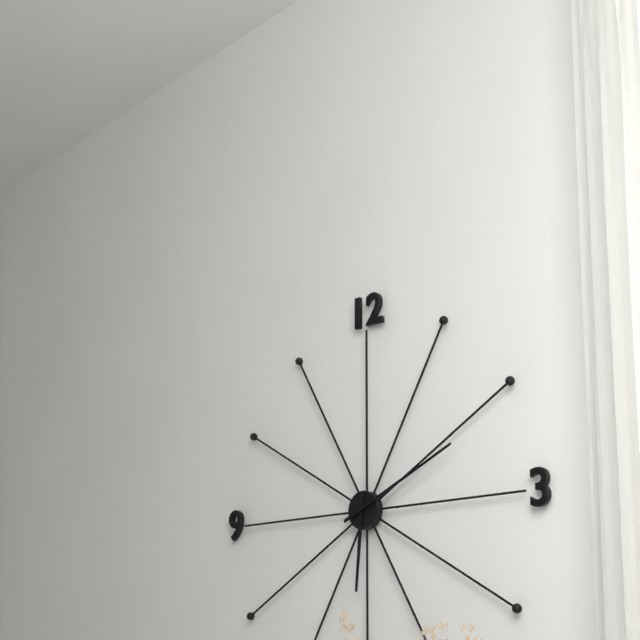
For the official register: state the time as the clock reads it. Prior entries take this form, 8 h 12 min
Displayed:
6 h 11 min
